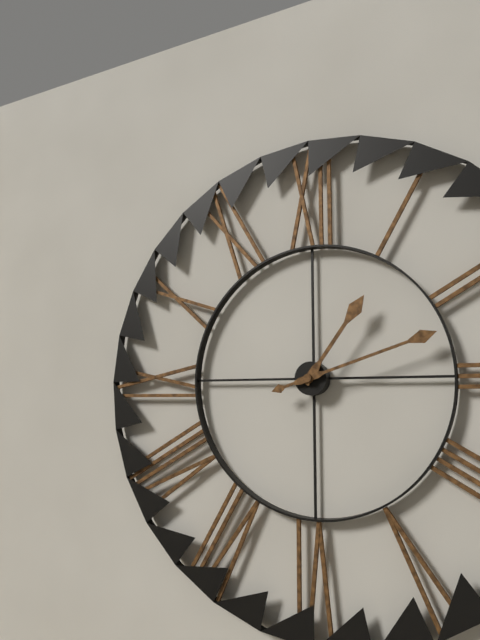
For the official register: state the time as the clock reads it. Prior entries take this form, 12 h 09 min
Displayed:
1 h 12 min
